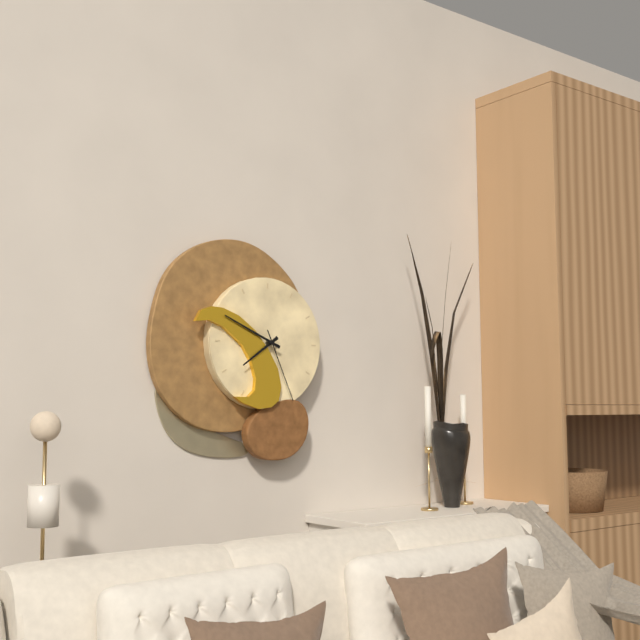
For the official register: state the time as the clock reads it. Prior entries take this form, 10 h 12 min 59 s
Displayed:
7 h 49 min 26 s
